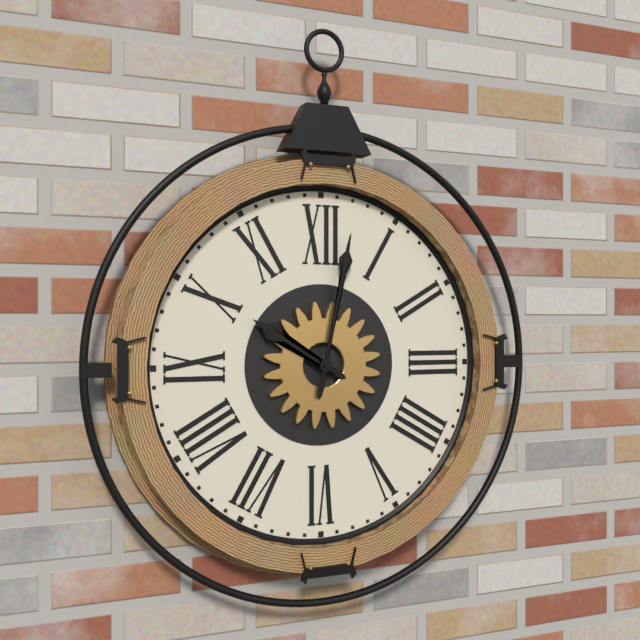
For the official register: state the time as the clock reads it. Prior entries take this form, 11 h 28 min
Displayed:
10 h 02 min
